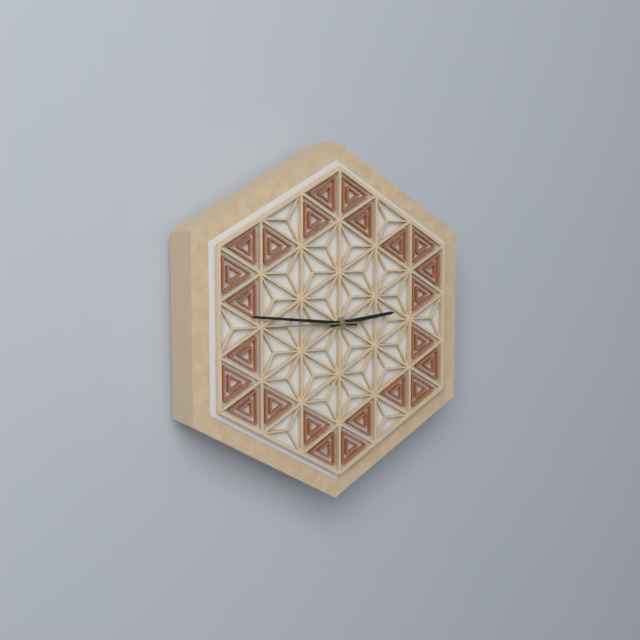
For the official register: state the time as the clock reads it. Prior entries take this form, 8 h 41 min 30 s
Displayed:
2 h 46 min 45 s
